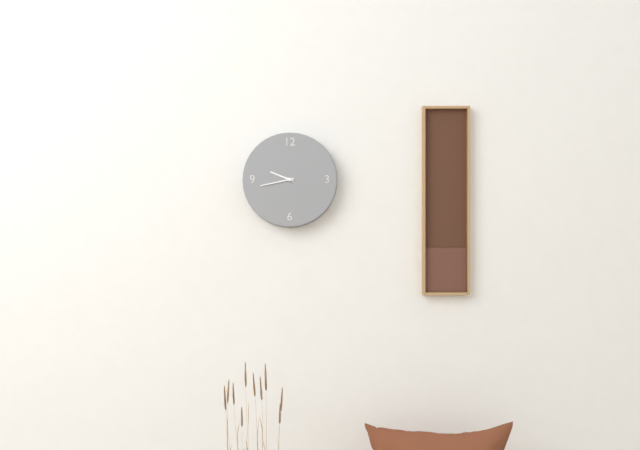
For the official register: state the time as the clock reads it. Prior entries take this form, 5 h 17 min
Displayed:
9 h 43 min
